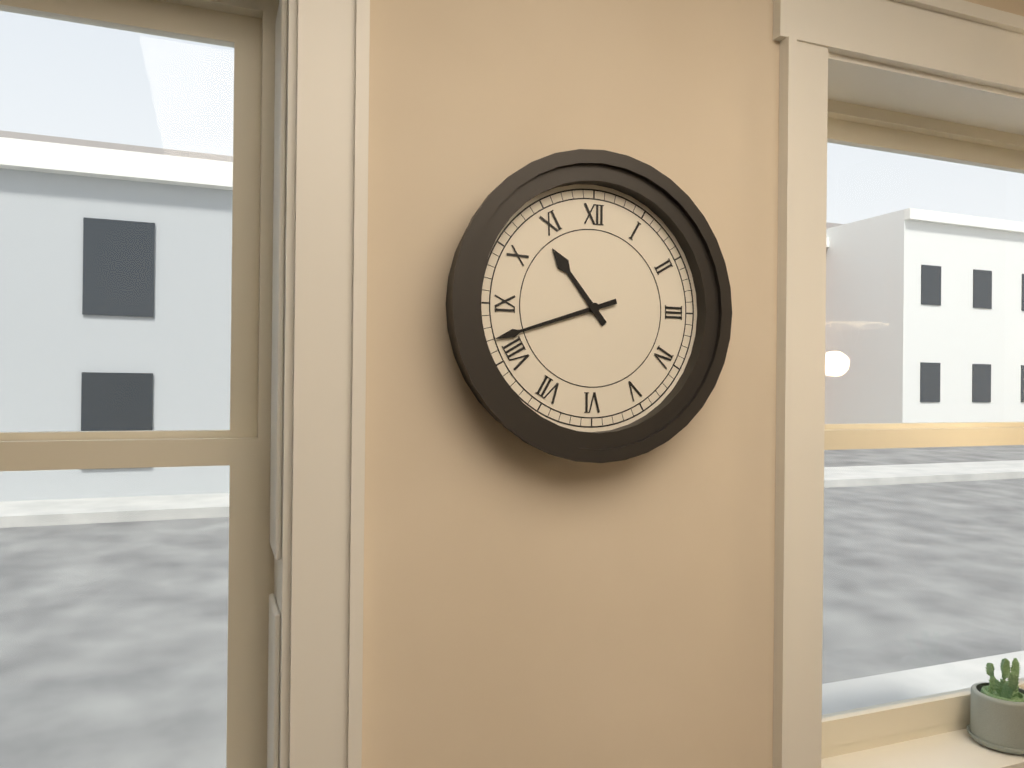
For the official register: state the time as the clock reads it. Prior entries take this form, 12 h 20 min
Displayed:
10 h 42 min
